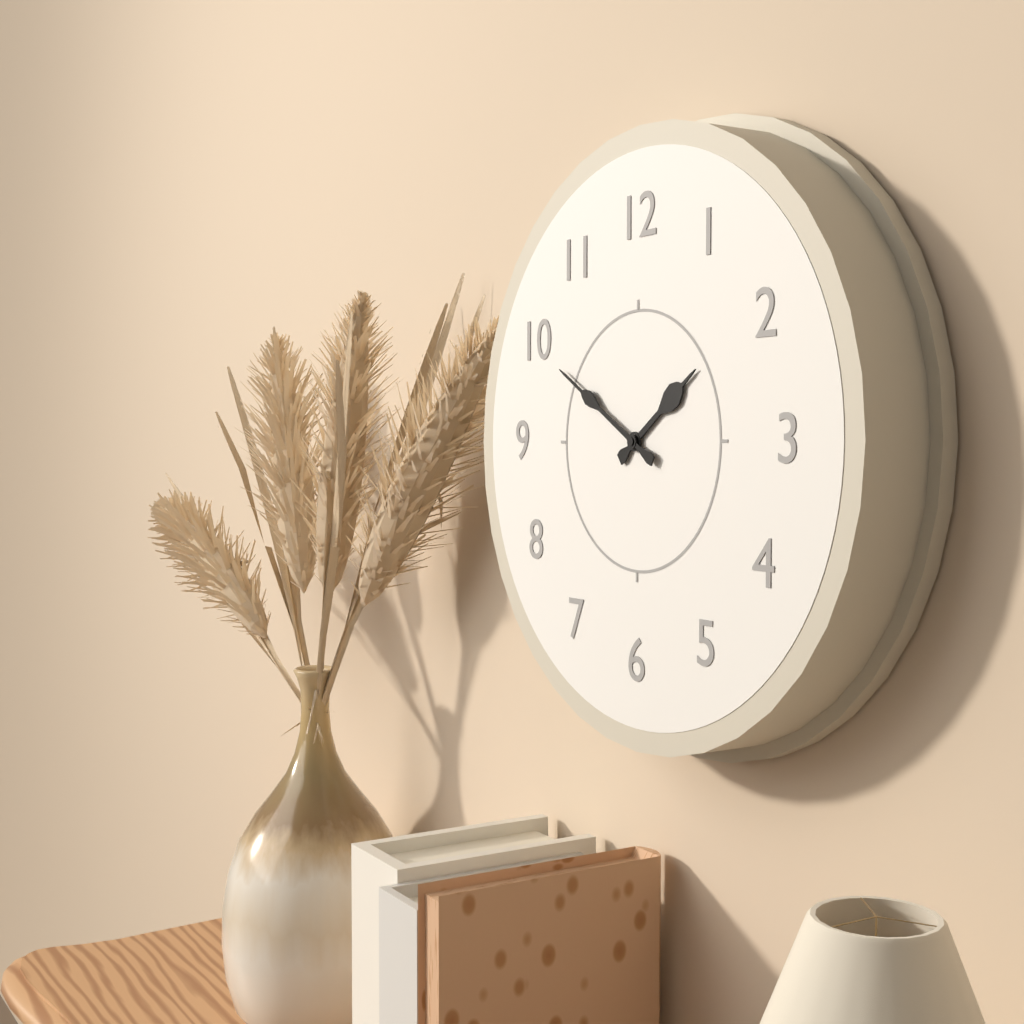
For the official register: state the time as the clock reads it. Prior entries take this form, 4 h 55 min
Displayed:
1 h 50 min
